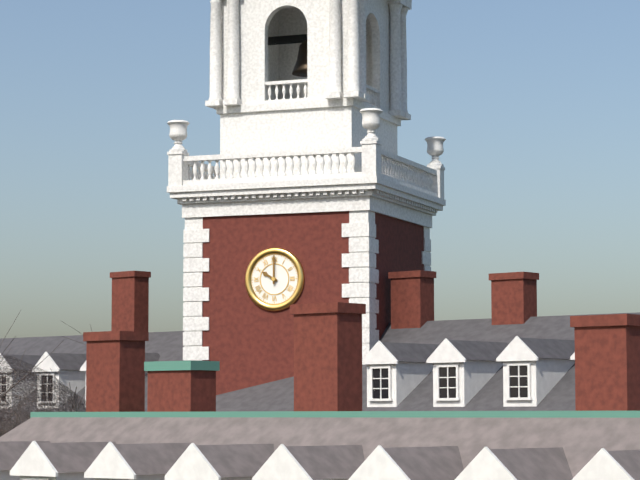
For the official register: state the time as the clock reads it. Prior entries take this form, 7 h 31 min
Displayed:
10 h 00 min
